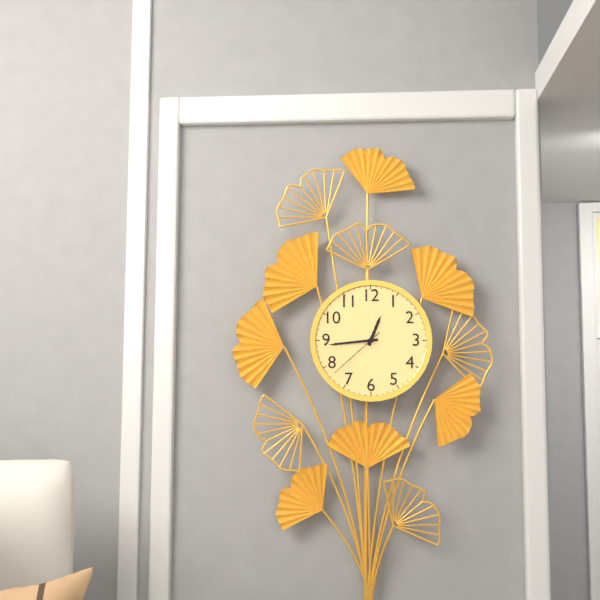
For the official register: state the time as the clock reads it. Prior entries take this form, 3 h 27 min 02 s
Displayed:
12 h 44 min 38 s
